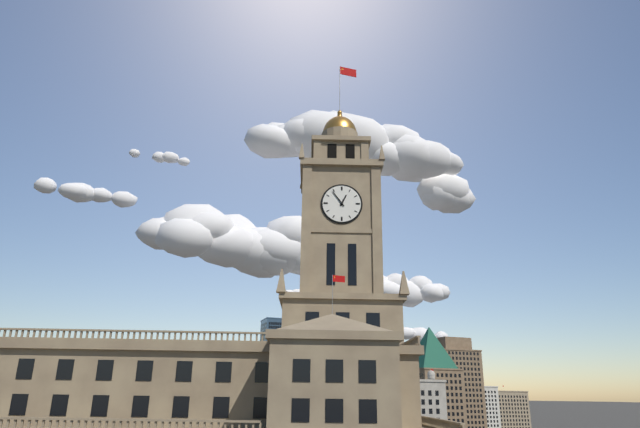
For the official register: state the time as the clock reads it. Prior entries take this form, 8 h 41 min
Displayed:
12 h 54 min
